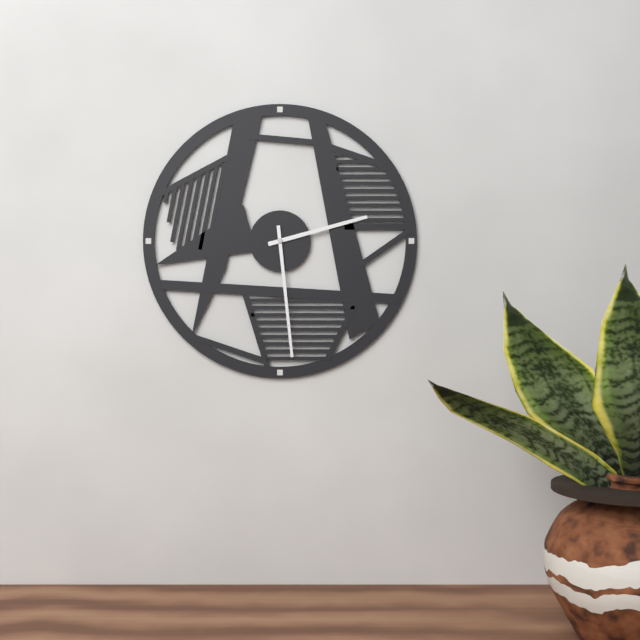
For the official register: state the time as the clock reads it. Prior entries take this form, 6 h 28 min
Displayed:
2 h 29 min
